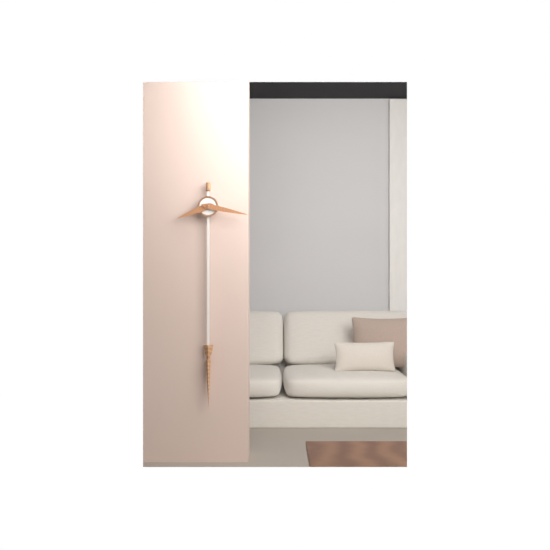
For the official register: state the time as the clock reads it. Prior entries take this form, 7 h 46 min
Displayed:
8 h 17 min
